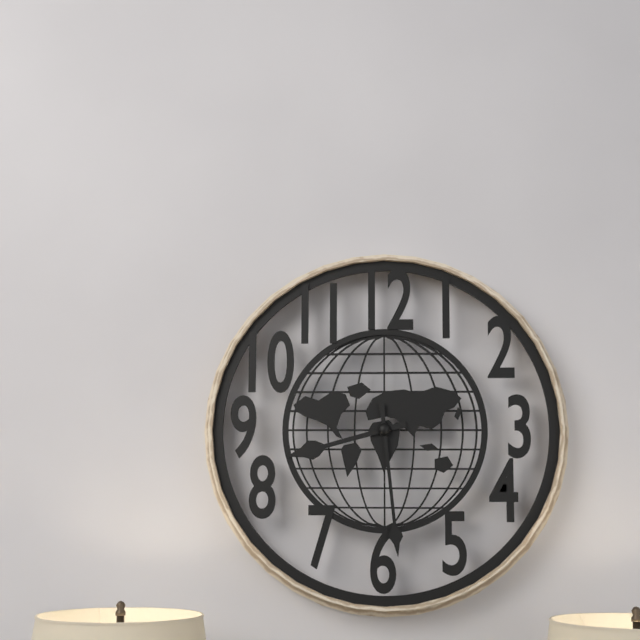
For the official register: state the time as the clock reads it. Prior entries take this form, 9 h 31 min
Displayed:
8 h 29 min
